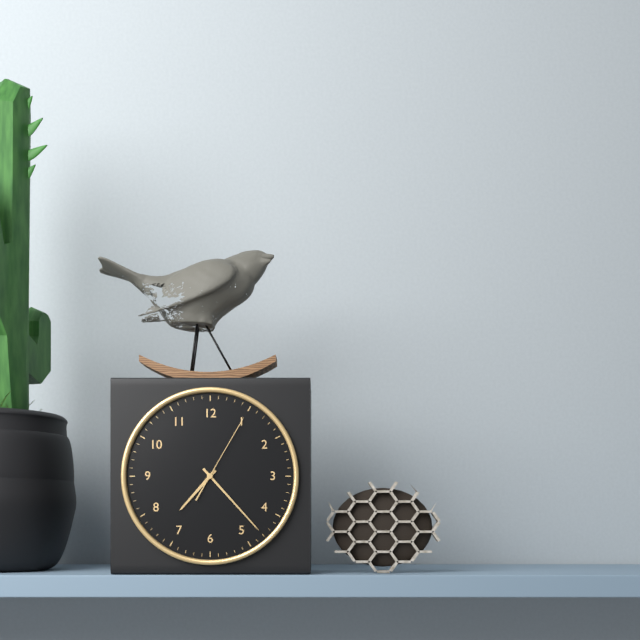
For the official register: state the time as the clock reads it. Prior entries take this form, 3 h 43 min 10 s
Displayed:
7 h 23 min 05 s
